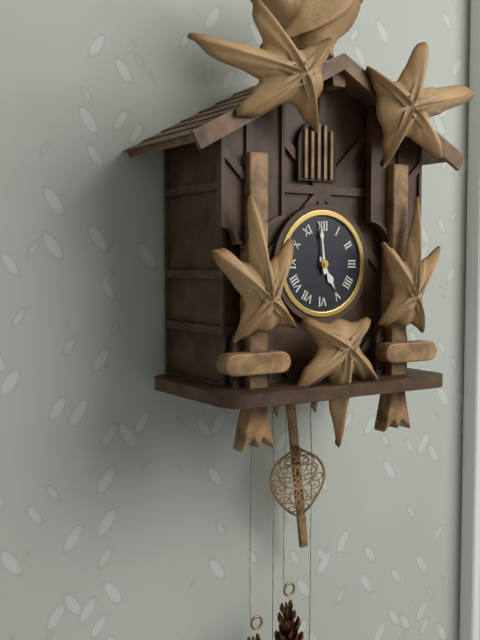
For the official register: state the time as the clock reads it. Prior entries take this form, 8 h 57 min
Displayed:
4 h 59 min
